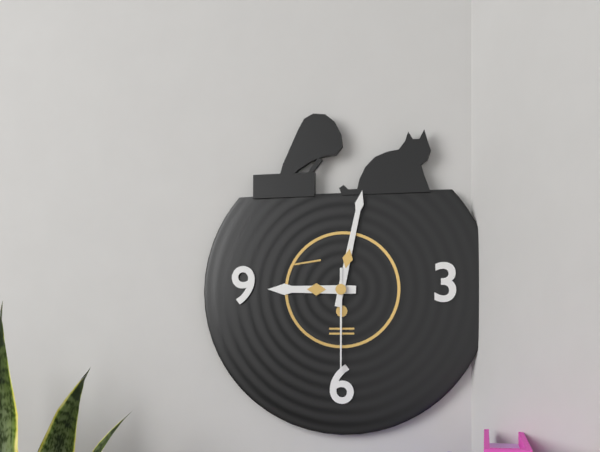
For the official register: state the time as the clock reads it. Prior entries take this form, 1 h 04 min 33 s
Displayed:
9 h 02 min 30 s
